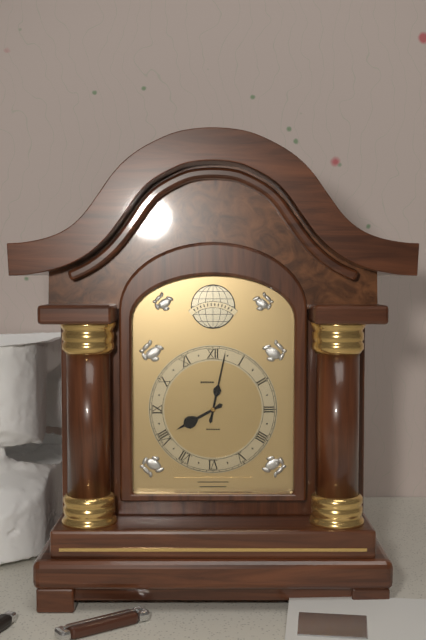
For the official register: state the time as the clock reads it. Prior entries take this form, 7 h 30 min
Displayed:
8 h 02 min
